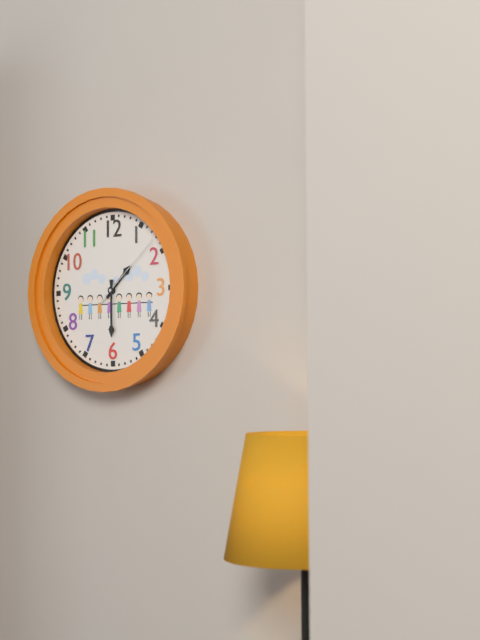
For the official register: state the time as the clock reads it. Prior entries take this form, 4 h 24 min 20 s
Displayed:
1 h 30 min 08 s
